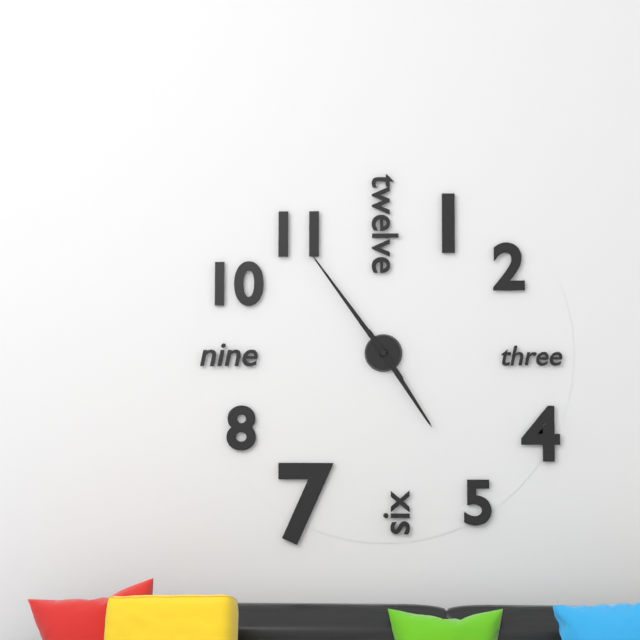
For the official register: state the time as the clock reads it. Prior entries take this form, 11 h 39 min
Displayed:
4 h 54 min
